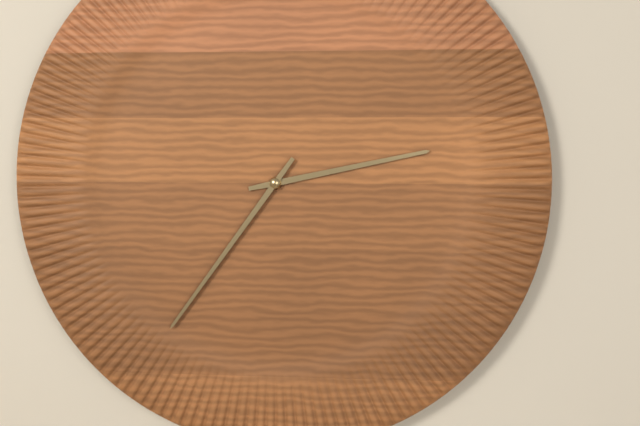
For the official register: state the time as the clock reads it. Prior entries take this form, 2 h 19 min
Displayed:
2 h 36 min
